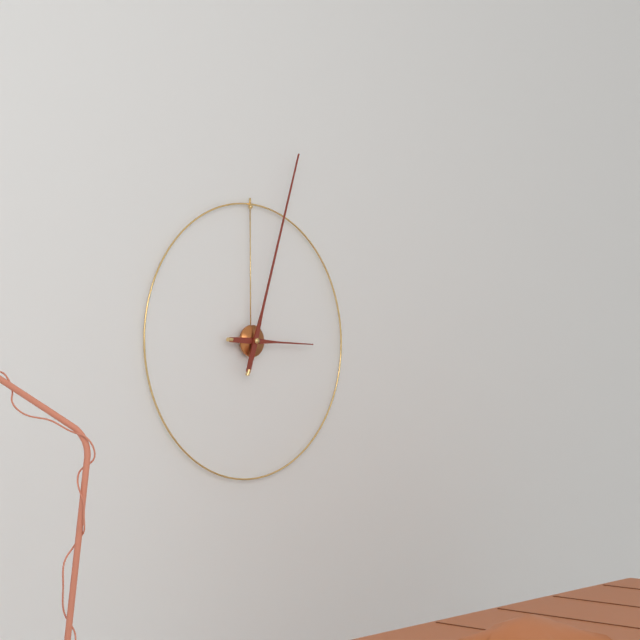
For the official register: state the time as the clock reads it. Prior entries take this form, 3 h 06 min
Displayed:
3 h 03 min
